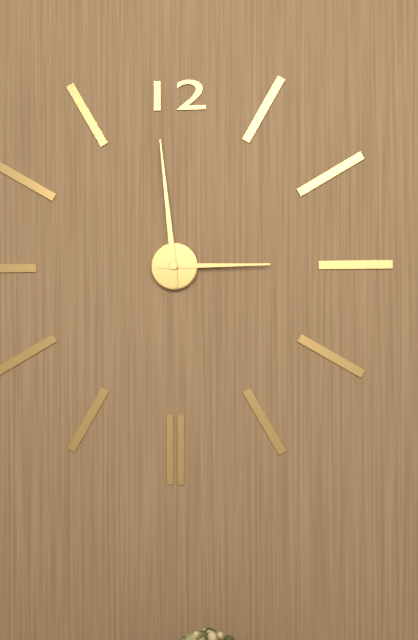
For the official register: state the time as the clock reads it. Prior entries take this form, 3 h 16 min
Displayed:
2 h 59 min
